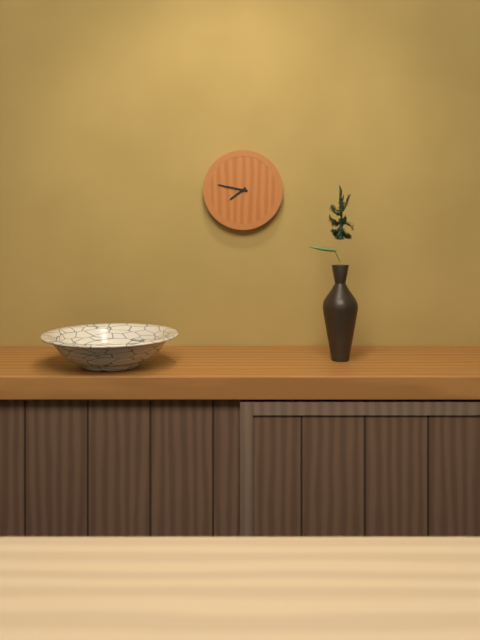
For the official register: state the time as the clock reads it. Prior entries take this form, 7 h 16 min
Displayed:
7 h 47 min
